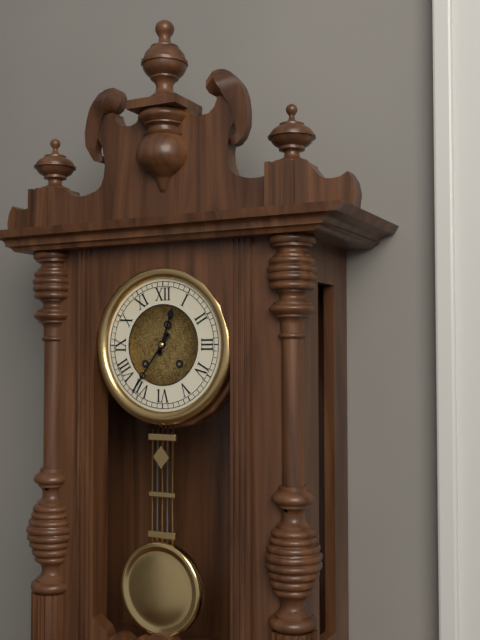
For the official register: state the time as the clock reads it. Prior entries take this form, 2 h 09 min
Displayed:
12 h 36 min
